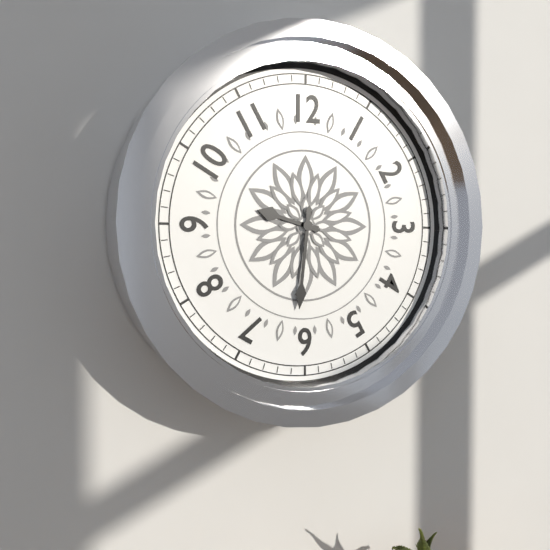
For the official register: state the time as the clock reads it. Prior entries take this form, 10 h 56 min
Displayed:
9 h 31 min
